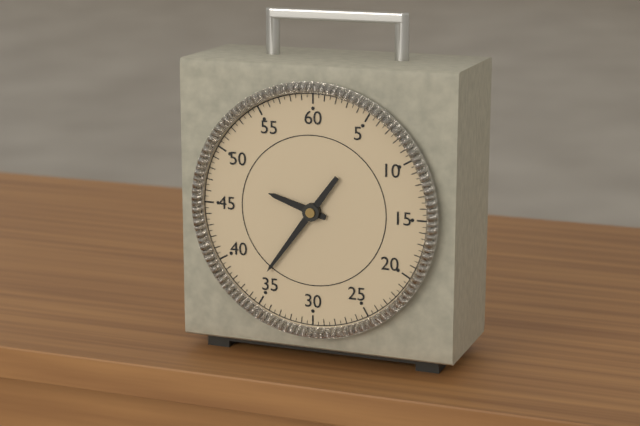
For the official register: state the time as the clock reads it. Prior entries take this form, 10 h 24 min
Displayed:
9 h 36 min
